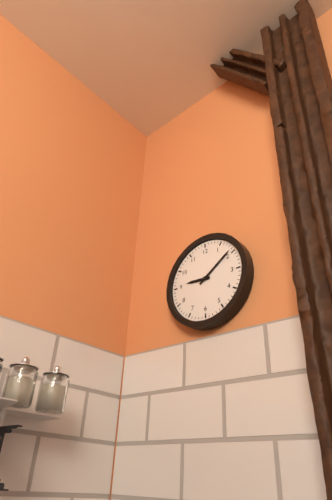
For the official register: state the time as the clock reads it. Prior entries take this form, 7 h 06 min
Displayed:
9 h 09 min
